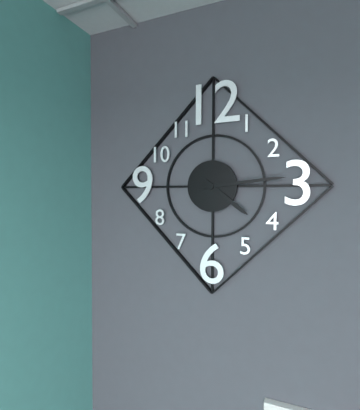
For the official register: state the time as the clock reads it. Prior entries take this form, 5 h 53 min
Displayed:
4 h 14 min
